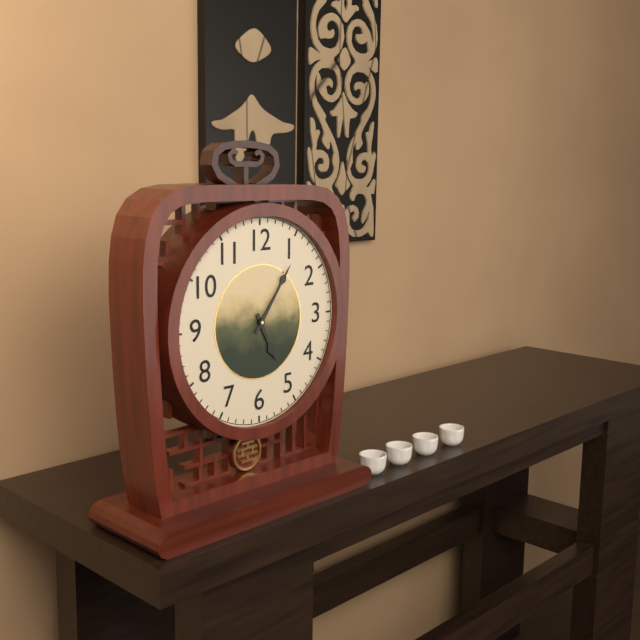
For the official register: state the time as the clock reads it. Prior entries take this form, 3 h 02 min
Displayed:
5 h 06 min
